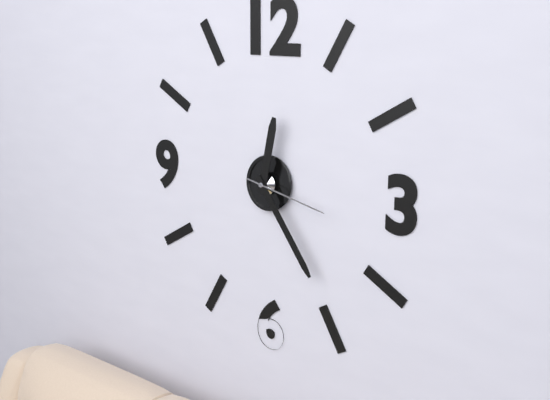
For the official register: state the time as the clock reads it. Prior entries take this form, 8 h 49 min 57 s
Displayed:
12 h 24 min 17 s
